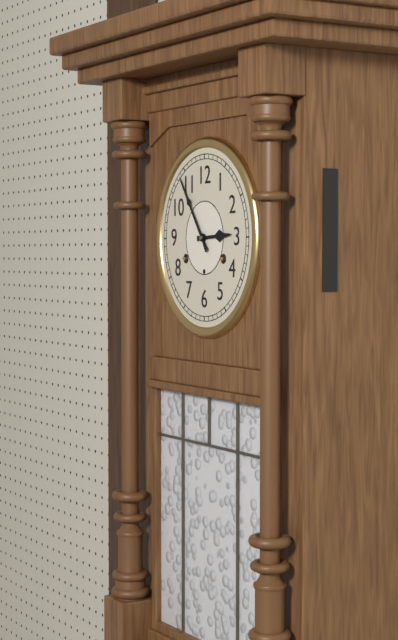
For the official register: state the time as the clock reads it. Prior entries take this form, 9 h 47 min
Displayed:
2 h 54 min
